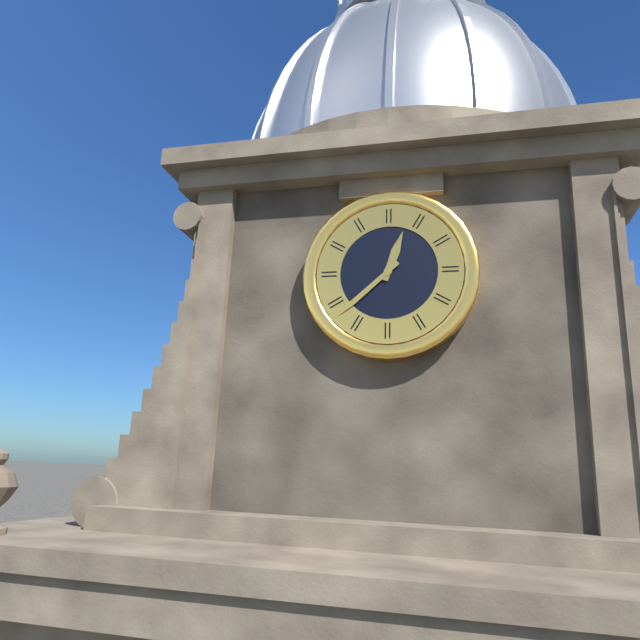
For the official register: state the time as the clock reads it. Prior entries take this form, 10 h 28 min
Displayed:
12 h 38 min
